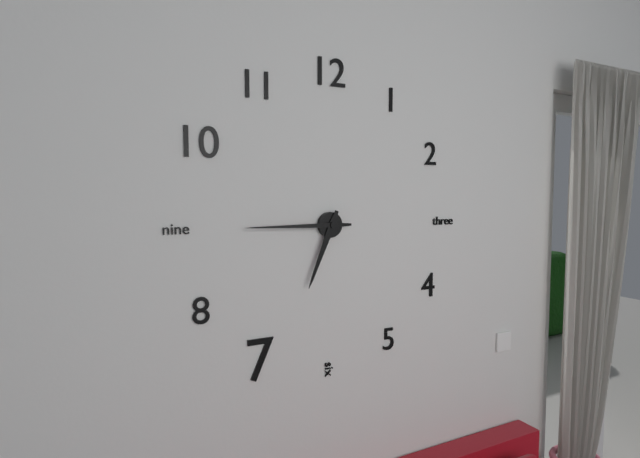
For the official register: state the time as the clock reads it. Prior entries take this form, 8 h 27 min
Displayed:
6 h 45 min
